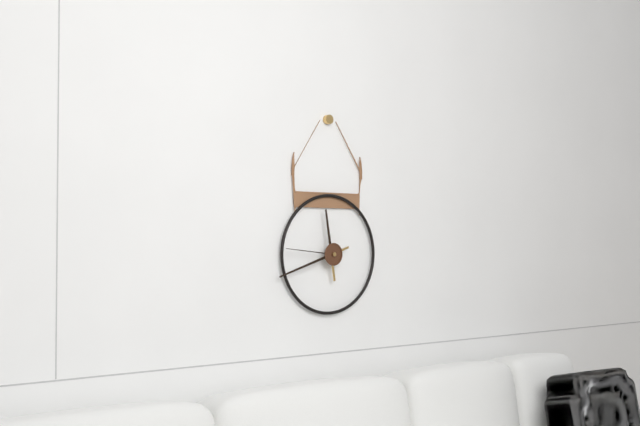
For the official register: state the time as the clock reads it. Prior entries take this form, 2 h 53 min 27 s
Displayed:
11 h 42 min 46 s
